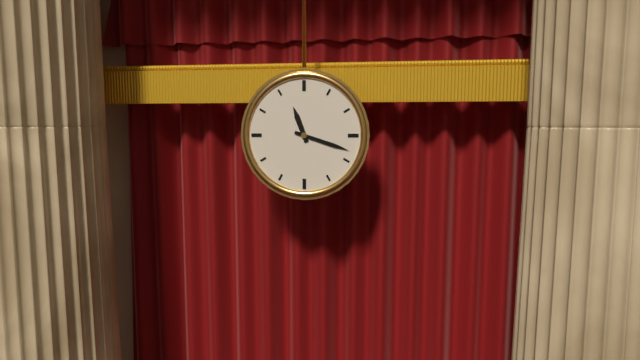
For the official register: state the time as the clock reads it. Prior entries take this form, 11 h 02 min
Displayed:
11 h 18 min
